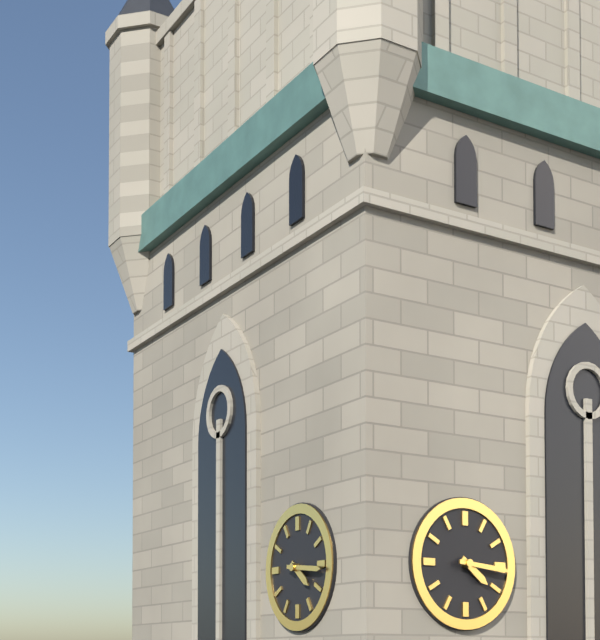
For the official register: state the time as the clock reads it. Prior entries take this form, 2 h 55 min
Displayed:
4 h 16 min
